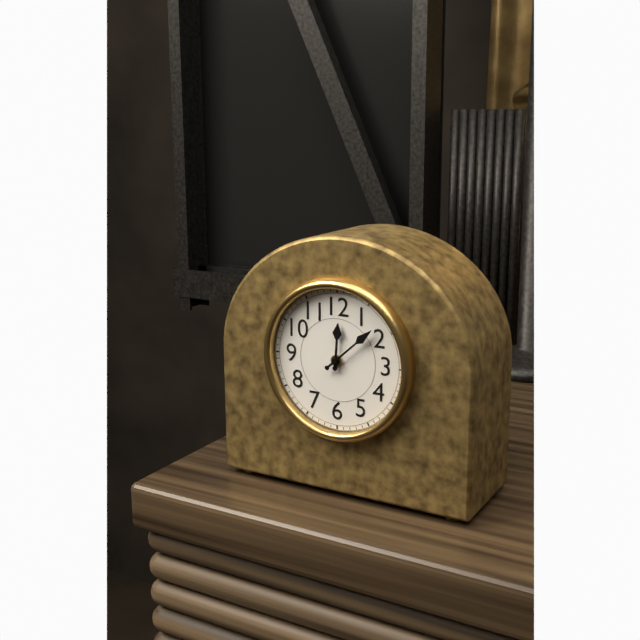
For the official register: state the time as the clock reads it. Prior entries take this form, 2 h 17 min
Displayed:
12 h 08 min
